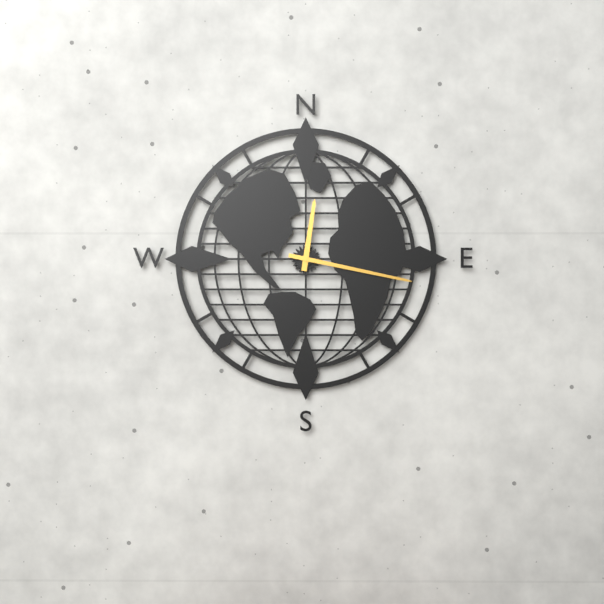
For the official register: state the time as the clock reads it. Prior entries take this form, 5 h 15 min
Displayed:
12 h 17 min
